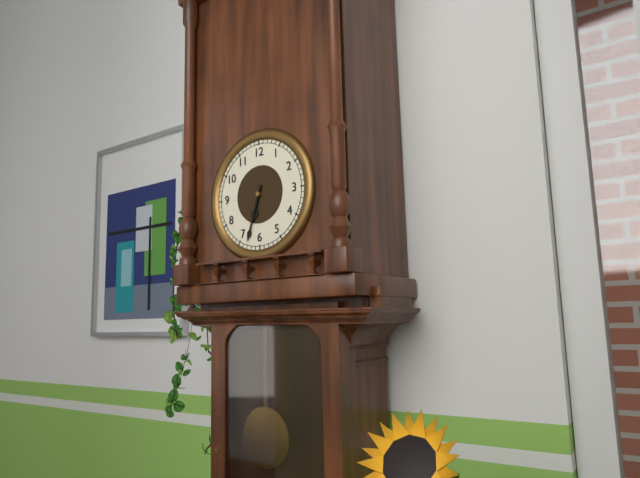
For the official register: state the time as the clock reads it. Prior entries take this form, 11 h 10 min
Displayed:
6 h 33 min
